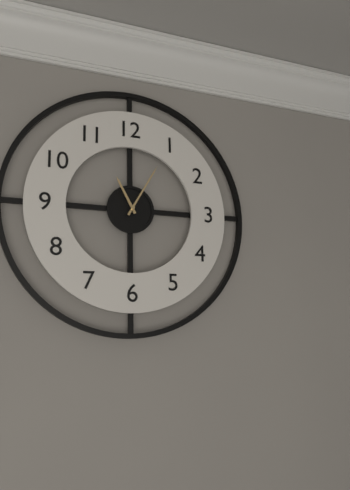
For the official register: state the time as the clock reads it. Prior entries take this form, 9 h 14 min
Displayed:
11 h 05 min
